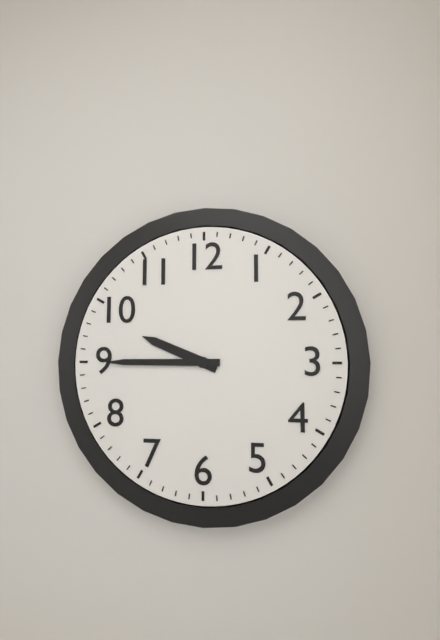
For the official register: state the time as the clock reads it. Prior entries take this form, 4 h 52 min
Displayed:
9 h 45 min
